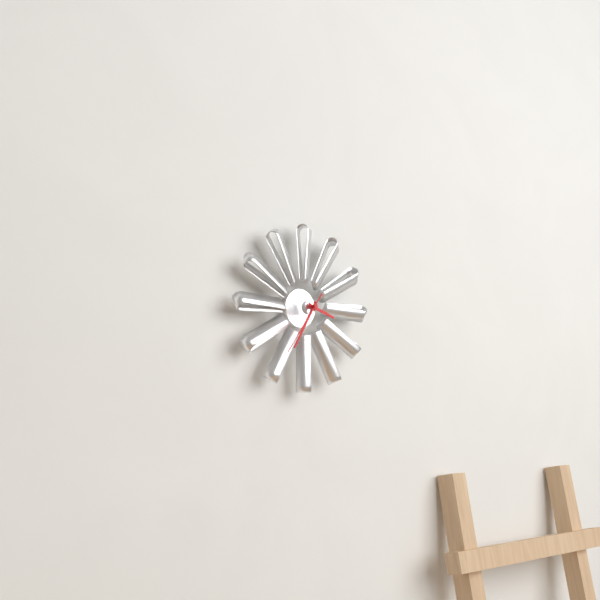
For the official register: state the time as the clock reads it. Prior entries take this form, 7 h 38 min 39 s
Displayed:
3 h 35 min 36 s
